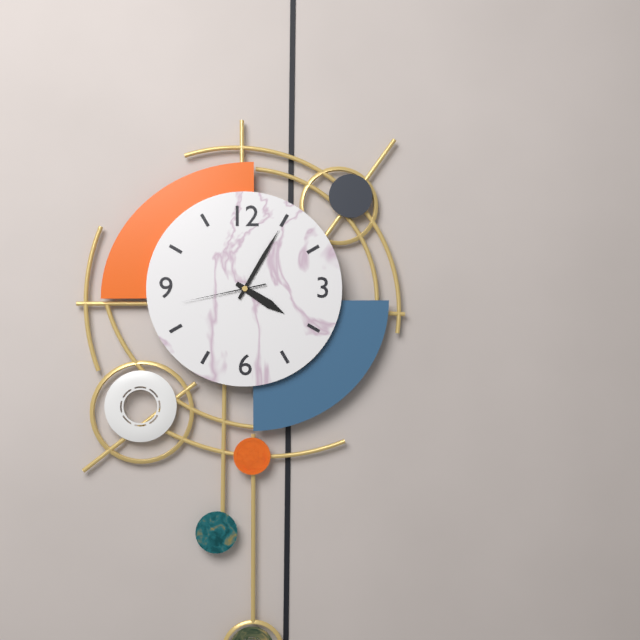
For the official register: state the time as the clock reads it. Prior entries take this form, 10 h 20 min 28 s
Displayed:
4 h 05 min 43 s
